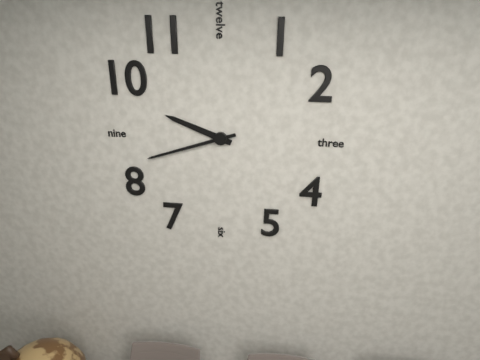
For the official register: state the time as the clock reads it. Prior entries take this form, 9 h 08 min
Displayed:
9 h 42 min
